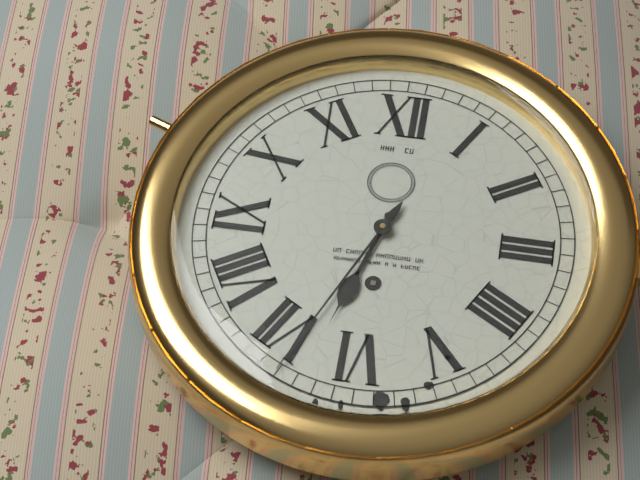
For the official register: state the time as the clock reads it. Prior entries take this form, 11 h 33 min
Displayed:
6 h 34 min
